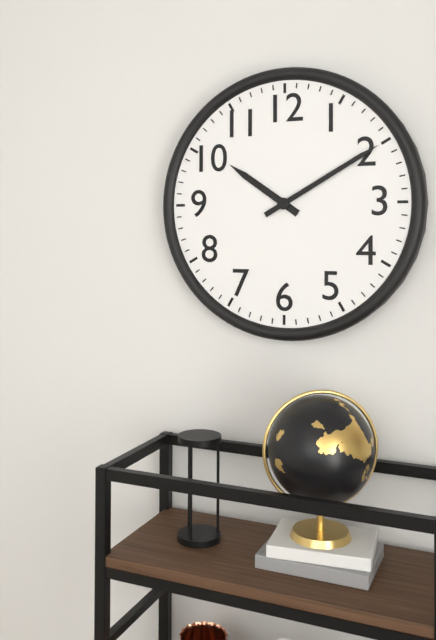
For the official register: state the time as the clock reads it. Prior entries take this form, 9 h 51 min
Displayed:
10 h 10 min
